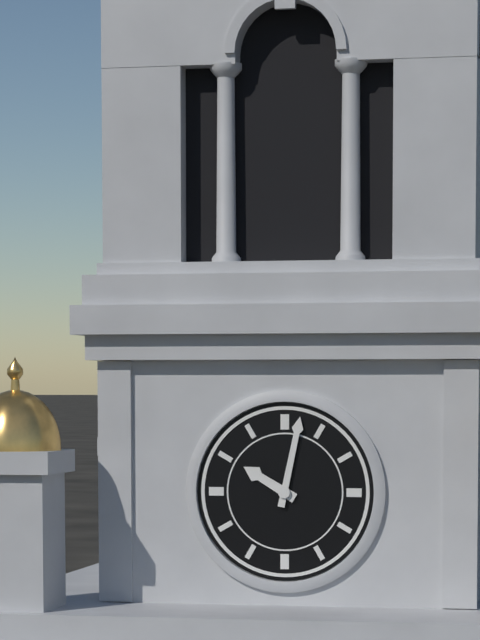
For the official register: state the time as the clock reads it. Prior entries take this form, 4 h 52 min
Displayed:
10 h 02 min
